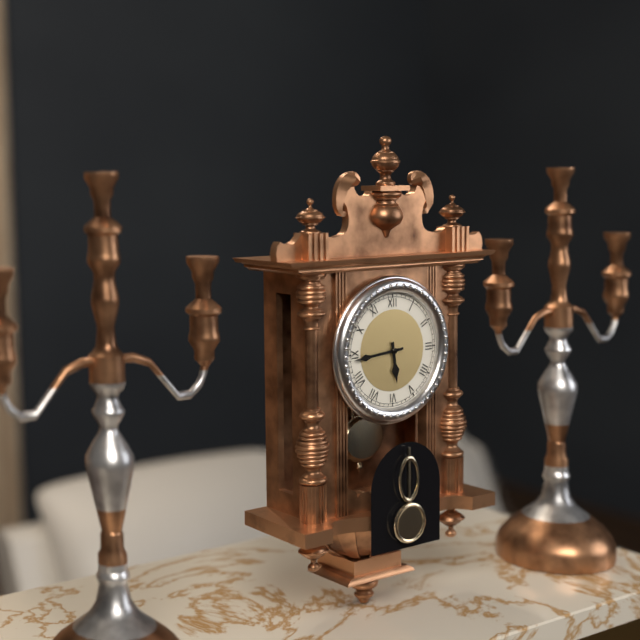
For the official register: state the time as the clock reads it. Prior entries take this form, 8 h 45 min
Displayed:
5 h 44 min
